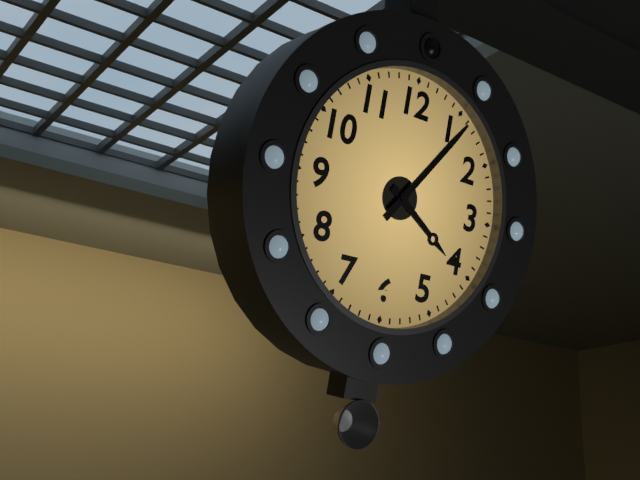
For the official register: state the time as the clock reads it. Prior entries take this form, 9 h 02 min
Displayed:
4 h 06 min
